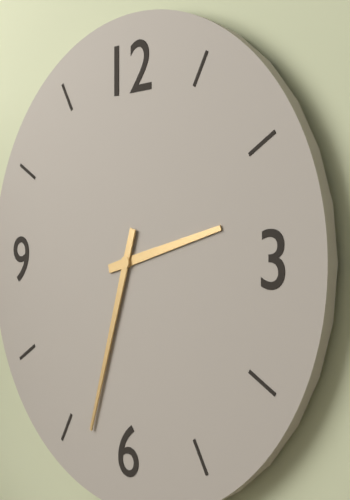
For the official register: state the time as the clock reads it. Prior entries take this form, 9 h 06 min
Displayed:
2 h 33 min
